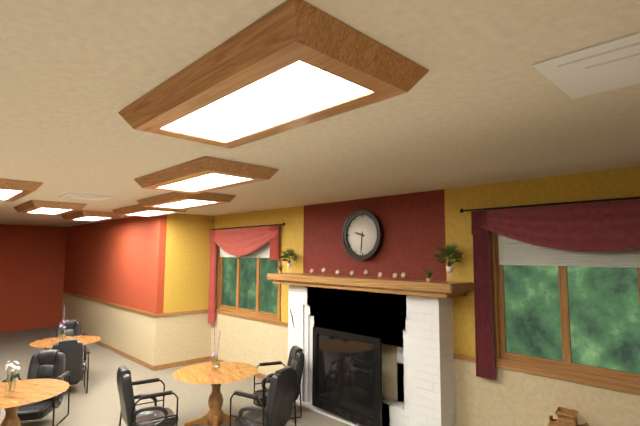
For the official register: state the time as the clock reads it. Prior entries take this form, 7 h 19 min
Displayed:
9 h 31 min
